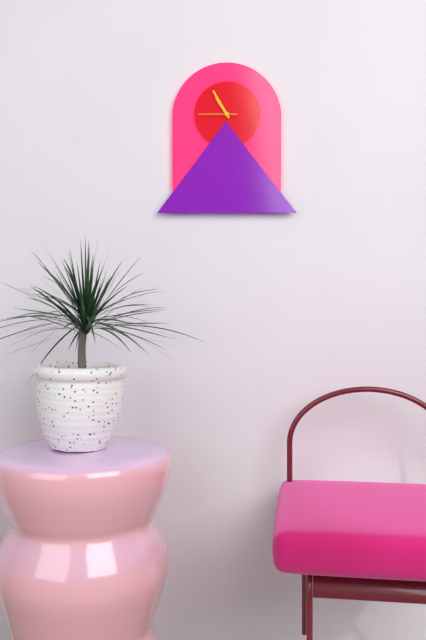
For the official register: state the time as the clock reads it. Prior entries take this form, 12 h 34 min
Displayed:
10 h 55 min
